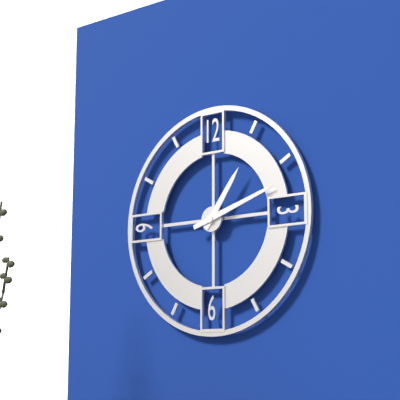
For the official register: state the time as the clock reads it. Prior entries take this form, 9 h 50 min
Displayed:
1 h 12 min
